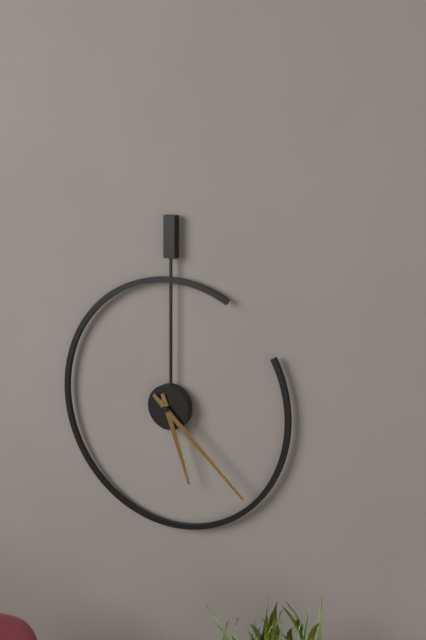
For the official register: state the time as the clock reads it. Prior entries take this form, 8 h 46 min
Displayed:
5 h 22 min
